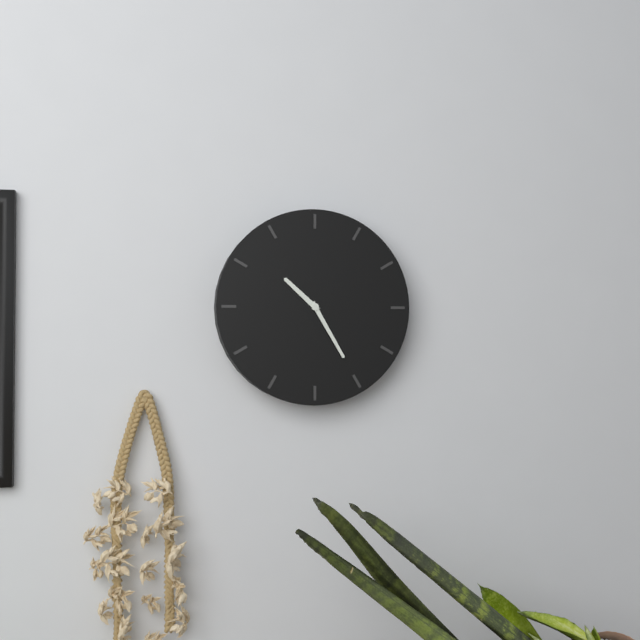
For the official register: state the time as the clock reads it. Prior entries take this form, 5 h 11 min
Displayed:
10 h 25 min
